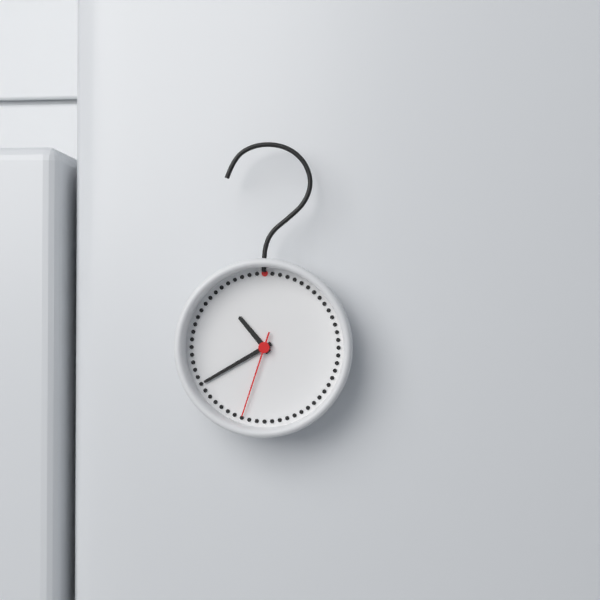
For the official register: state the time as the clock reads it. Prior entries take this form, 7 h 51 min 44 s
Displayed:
10 h 40 min 33 s
